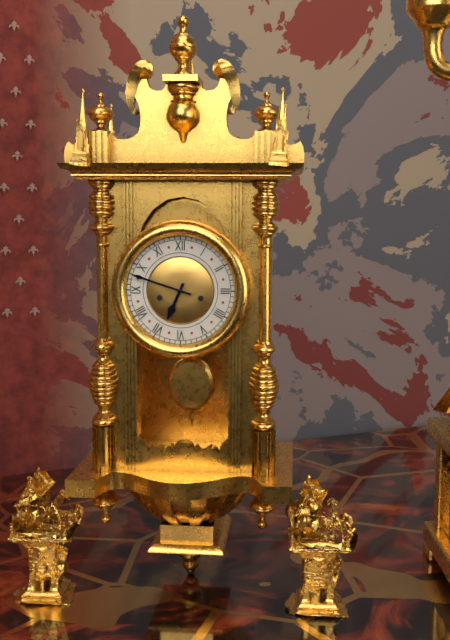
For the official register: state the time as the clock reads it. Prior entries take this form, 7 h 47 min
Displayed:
6 h 48 min
